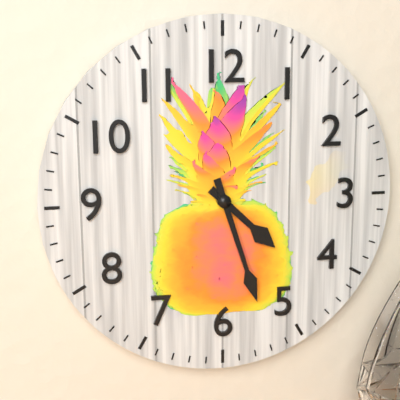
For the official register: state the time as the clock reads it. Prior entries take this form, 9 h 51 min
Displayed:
4 h 27 min
